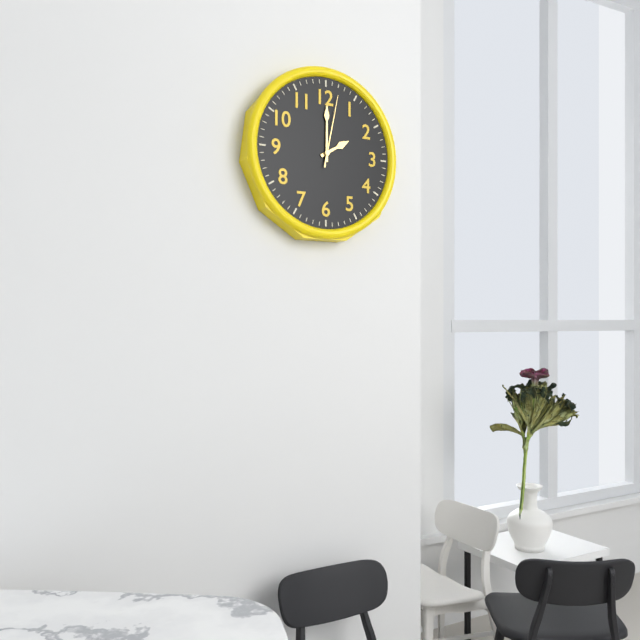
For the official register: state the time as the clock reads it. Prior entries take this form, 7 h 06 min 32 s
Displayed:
2 h 00 min 02 s
